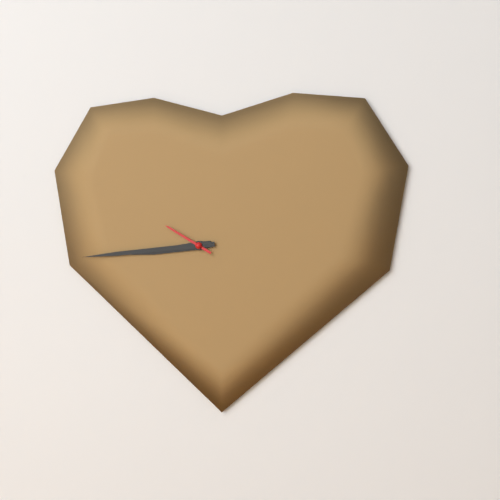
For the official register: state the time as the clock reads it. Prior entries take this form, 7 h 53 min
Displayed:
8 h 44 min
